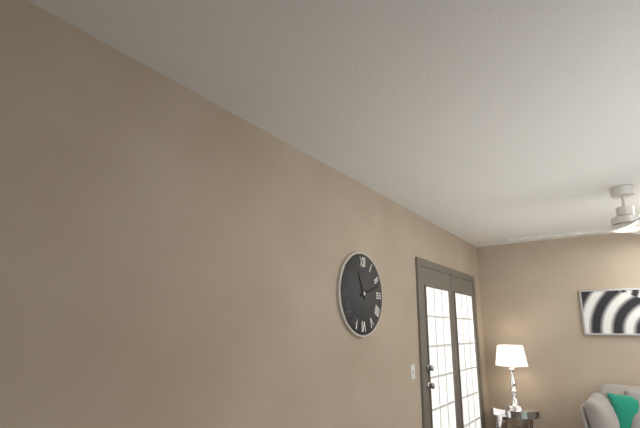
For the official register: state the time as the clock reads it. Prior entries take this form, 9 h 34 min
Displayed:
11 h 12 min
